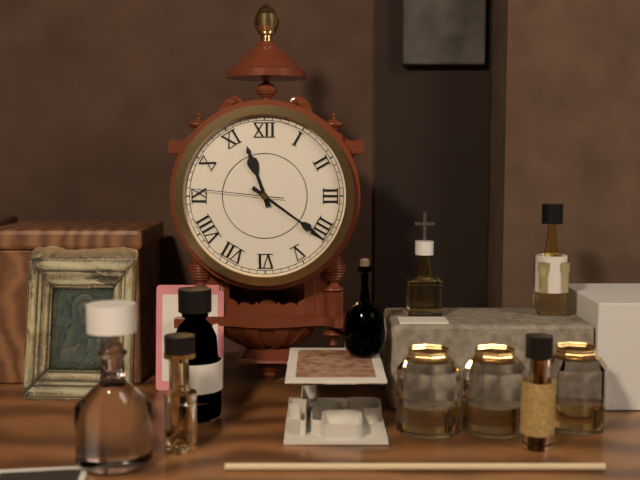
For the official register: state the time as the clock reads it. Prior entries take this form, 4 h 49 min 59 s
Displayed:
11 h 21 min 46 s
